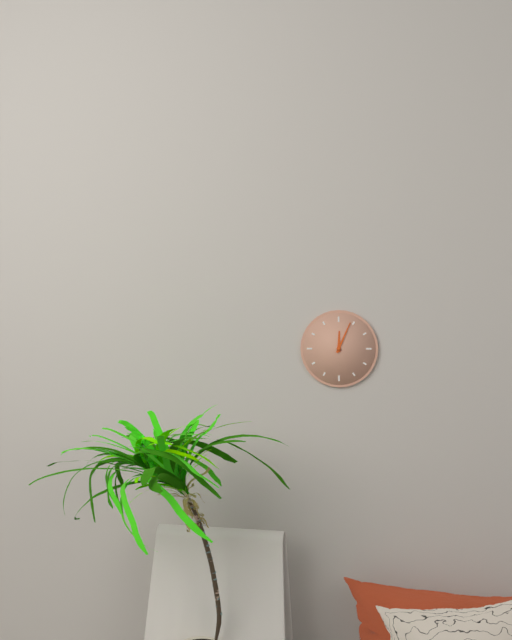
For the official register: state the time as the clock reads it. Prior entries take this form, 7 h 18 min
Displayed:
12 h 04 min
